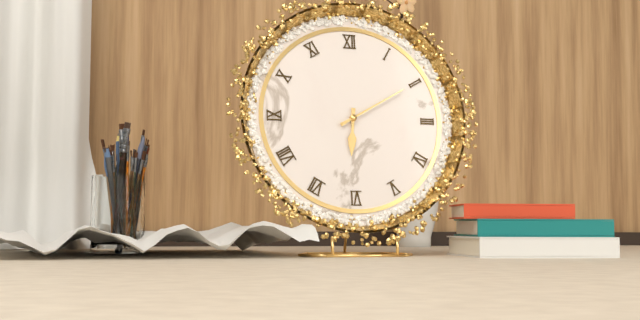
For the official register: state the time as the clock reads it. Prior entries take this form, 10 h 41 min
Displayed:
6 h 10 min
